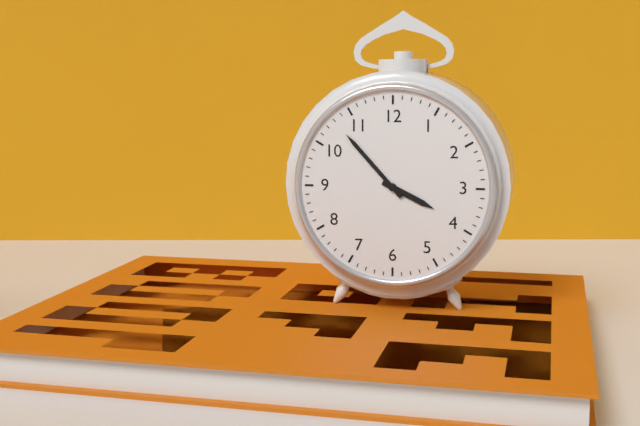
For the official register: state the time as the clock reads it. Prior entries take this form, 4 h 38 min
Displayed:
3 h 53 min
